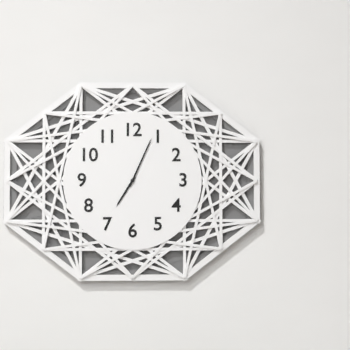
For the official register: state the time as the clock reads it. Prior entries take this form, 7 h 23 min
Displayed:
7 h 04 min
